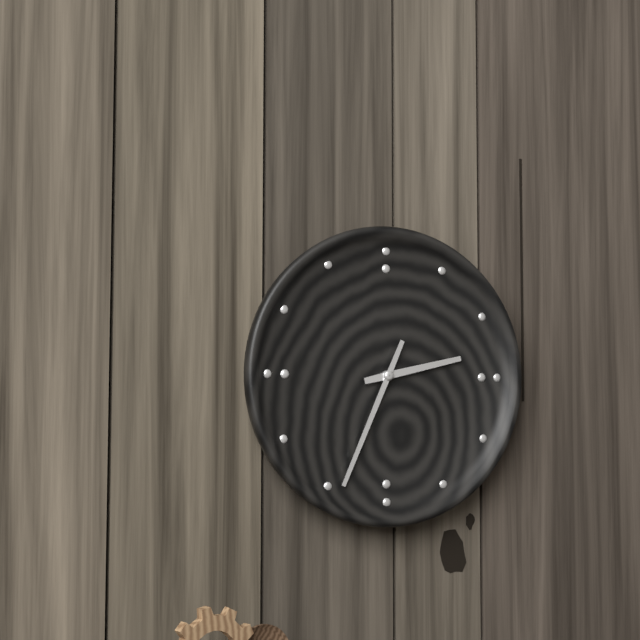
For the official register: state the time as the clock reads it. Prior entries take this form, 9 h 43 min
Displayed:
2 h 34 min
